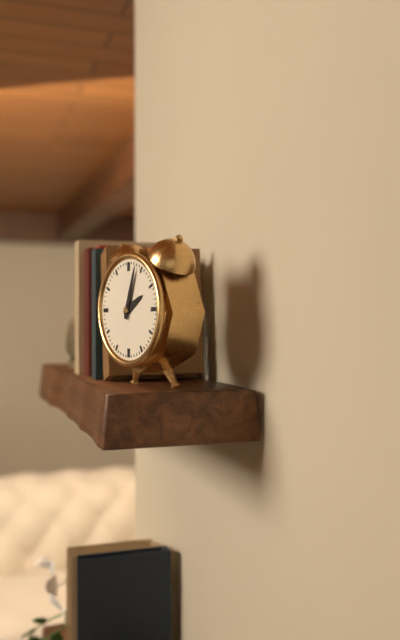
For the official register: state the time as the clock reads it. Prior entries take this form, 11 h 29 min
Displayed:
2 h 03 min
